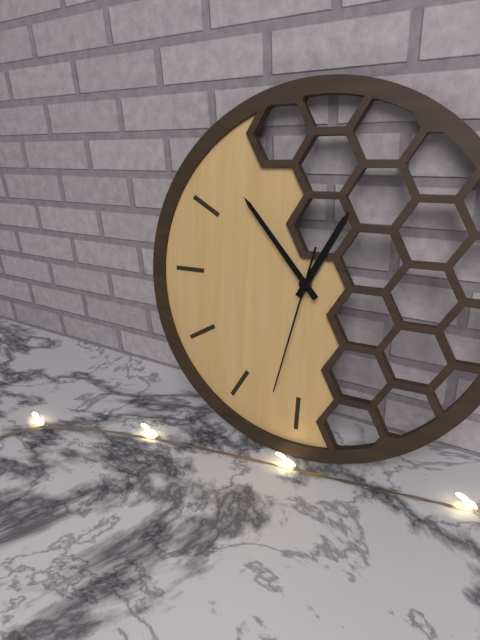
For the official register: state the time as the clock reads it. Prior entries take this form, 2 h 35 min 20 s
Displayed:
12 h 53 min 32 s
